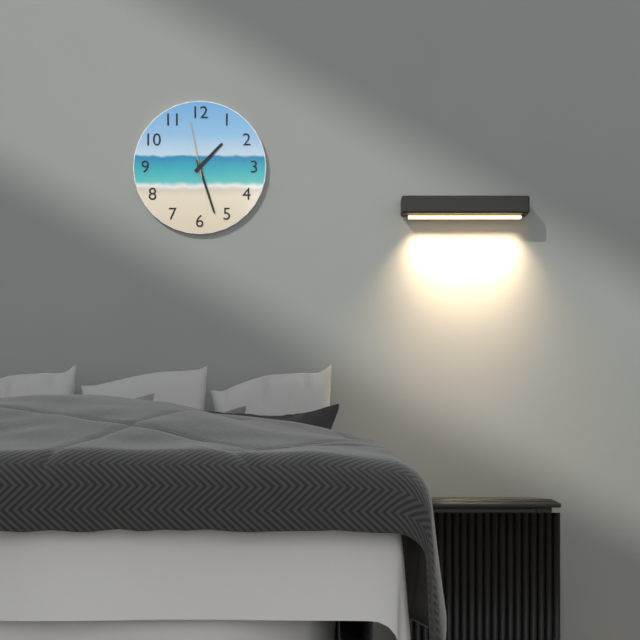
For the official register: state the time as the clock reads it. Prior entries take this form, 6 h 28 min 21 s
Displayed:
1 h 27 min 58 s
